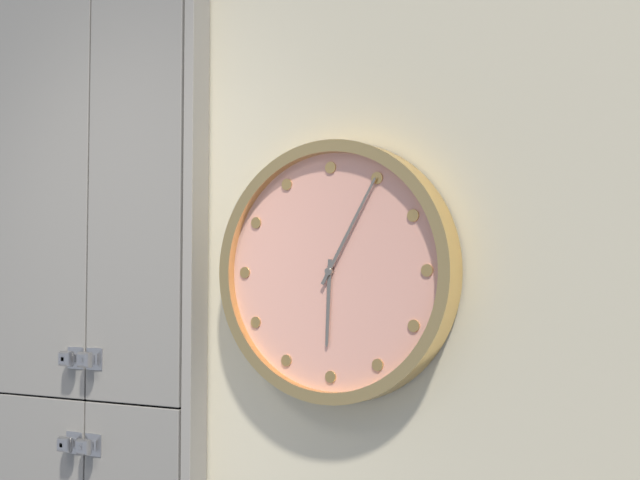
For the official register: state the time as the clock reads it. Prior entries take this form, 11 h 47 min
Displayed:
6 h 05 min
